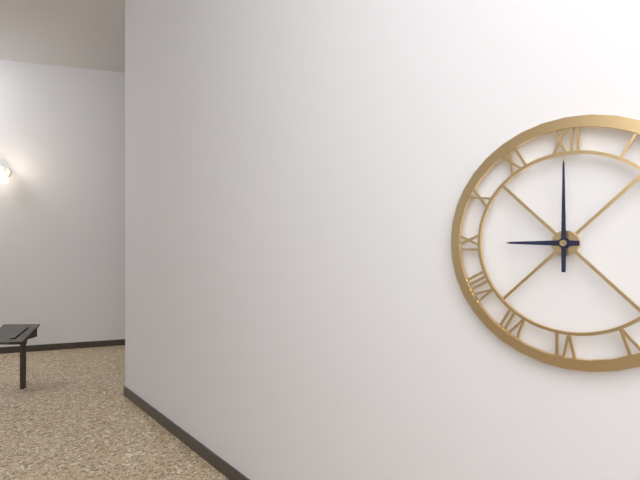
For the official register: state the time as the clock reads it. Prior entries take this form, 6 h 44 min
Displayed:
9 h 00 min
